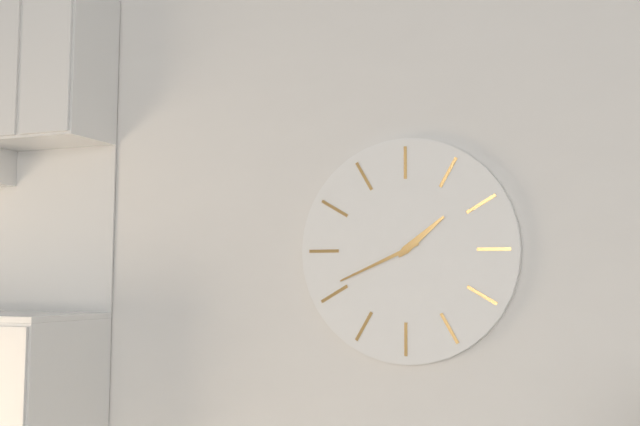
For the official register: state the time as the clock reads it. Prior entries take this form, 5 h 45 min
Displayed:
1 h 41 min
